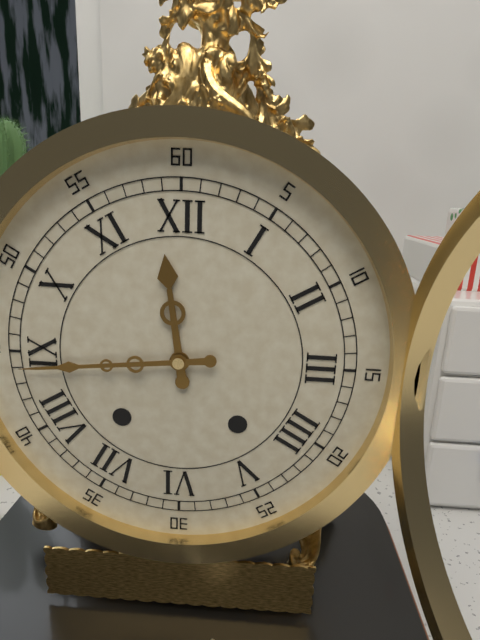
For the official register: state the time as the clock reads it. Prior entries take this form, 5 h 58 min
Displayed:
11 h 44 min
